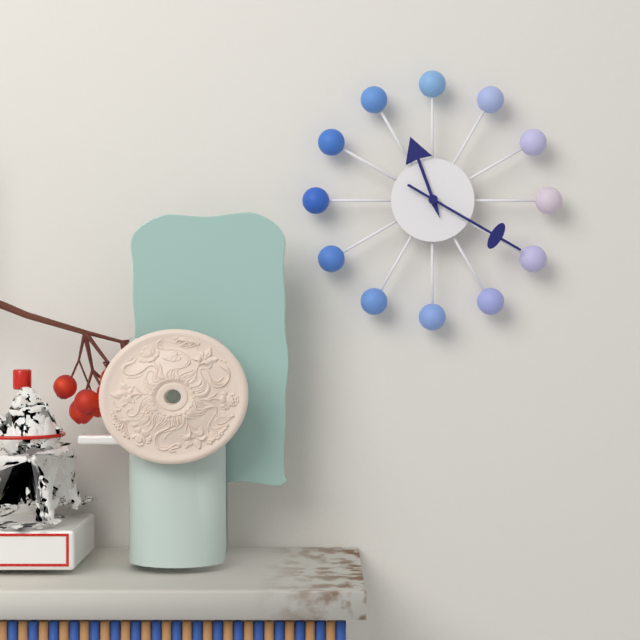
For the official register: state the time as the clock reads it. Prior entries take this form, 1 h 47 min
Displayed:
11 h 20 min
